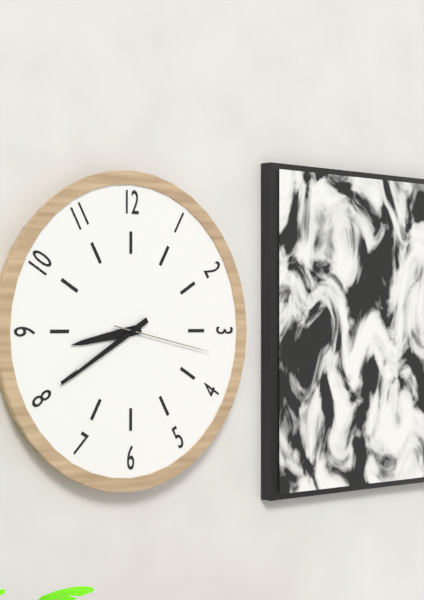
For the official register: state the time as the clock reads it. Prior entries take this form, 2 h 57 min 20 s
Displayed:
8 h 40 min 17 s
